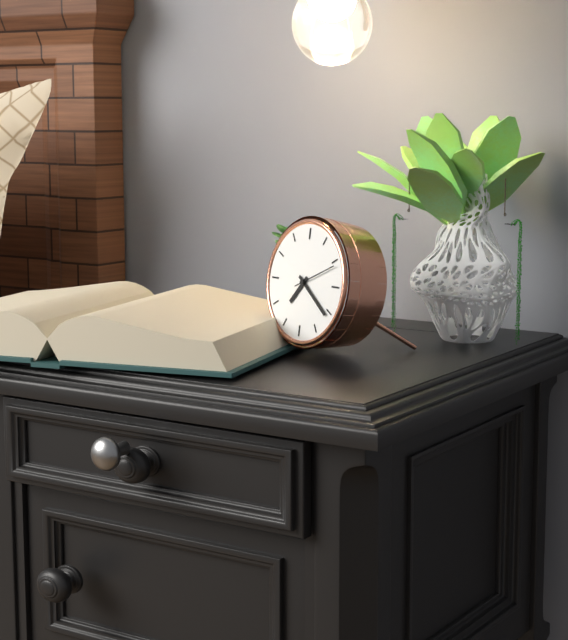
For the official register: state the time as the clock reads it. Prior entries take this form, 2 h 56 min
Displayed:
7 h 21 min
